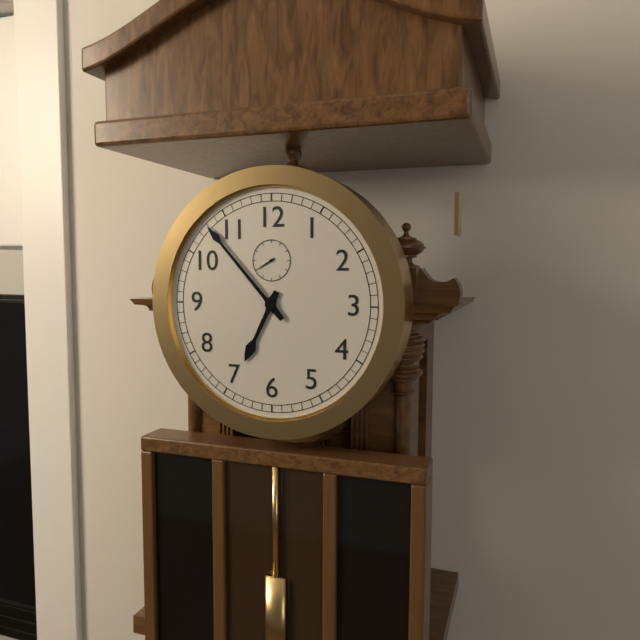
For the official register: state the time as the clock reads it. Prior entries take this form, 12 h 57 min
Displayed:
6 h 53 min
